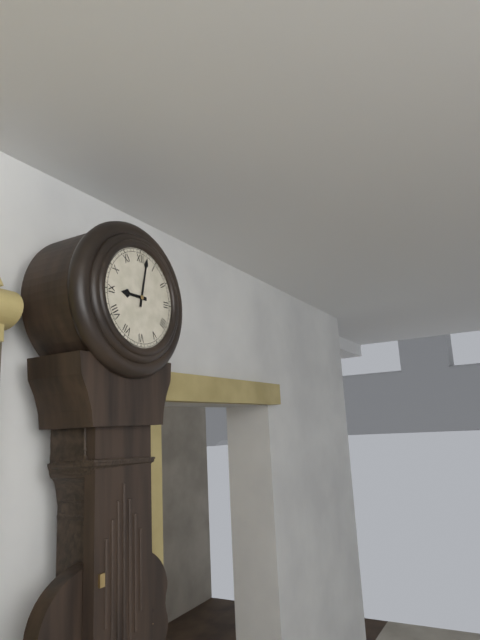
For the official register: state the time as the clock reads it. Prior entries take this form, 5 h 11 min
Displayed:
9 h 02 min
